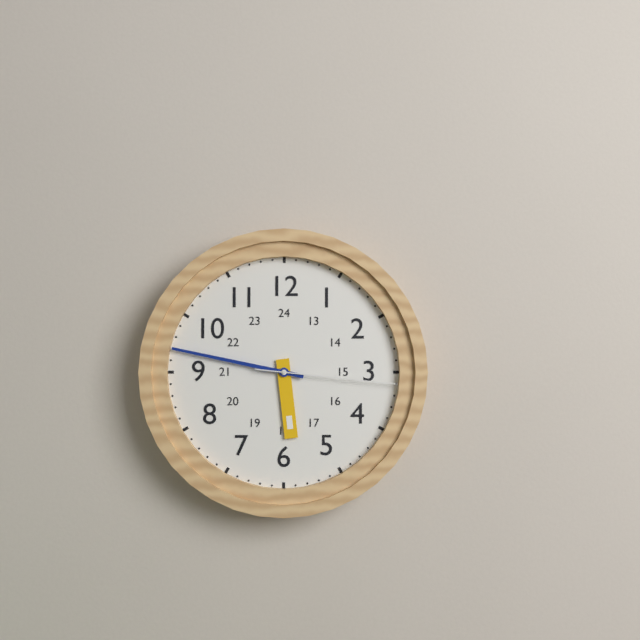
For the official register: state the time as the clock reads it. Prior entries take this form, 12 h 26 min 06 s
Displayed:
5 h 47 min 16 s
